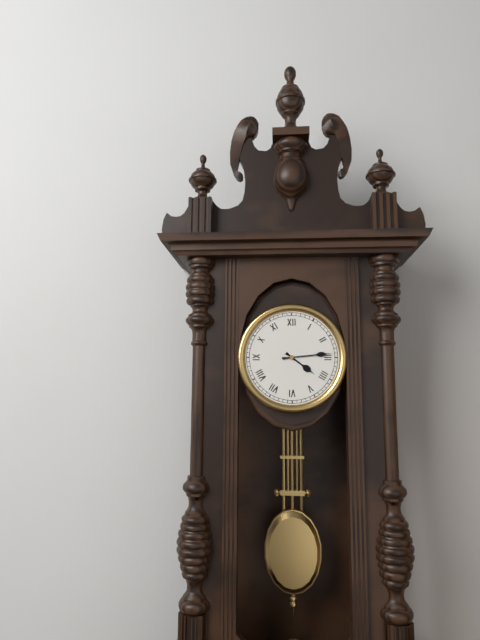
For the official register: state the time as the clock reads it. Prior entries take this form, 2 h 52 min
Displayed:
4 h 14 min
